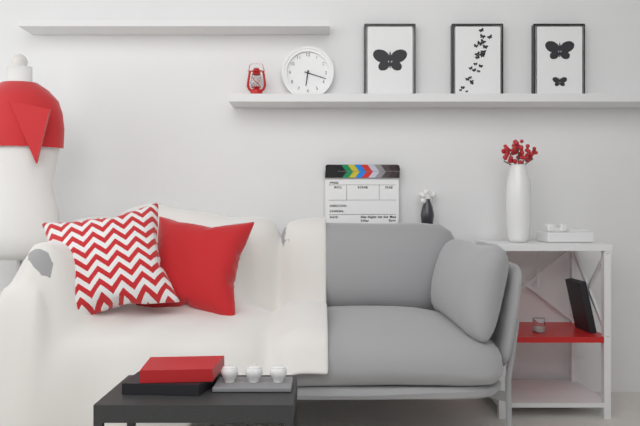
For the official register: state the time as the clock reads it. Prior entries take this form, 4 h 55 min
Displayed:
6 h 18 min
